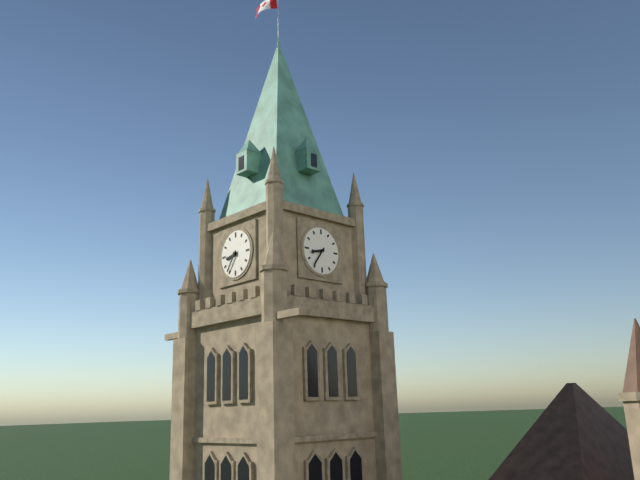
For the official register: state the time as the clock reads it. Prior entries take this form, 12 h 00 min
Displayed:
8 h 36 min
